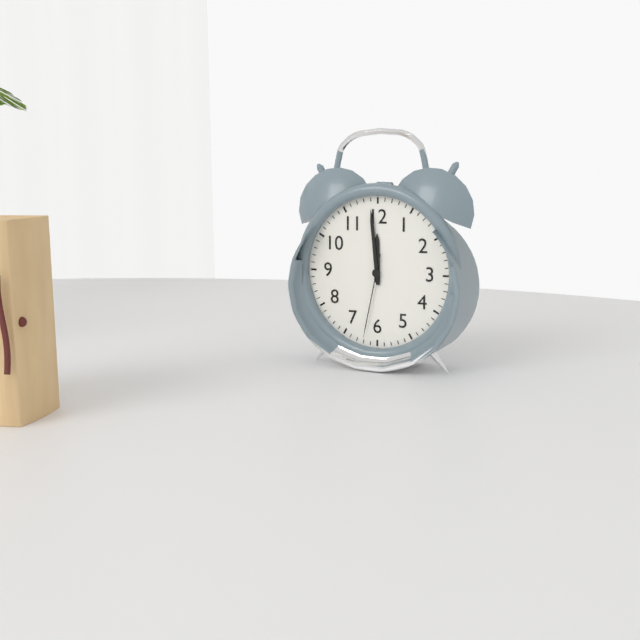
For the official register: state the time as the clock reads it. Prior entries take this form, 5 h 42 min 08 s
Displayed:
11 h 59 min 32 s
